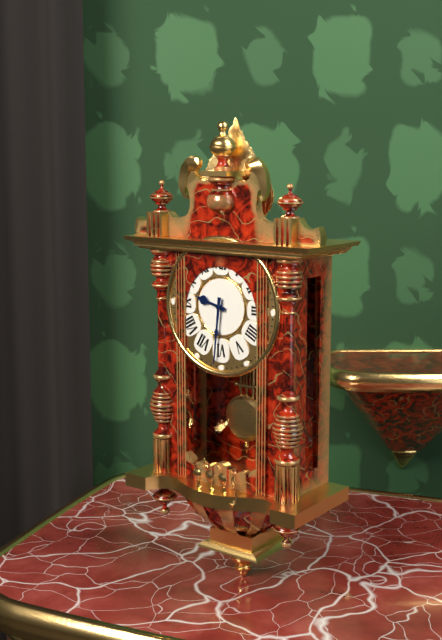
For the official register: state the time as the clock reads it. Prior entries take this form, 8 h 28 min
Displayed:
9 h 31 min
